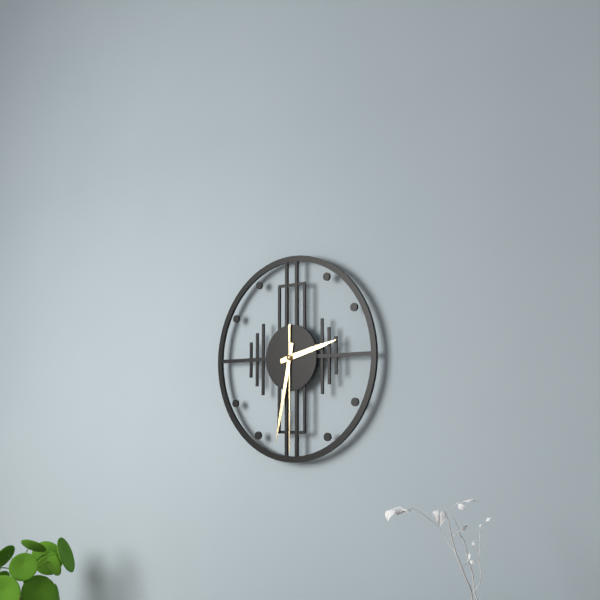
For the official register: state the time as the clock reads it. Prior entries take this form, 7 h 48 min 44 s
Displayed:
2 h 32 min 30 s
